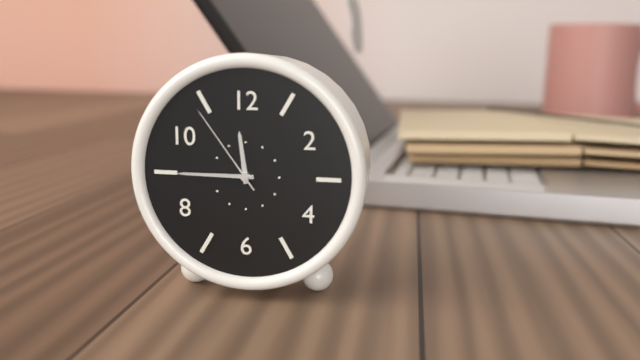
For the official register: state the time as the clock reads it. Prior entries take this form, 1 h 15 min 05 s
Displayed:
11 h 45 min 54 s
